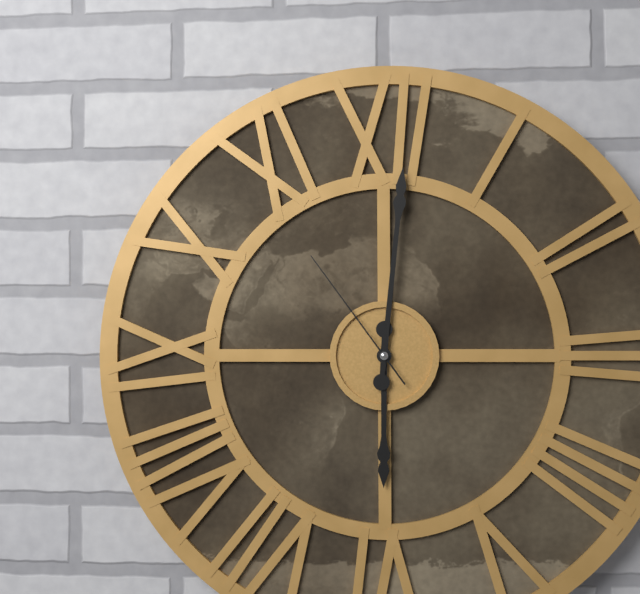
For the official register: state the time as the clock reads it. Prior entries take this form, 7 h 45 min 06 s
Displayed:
6 h 01 min 54 s
